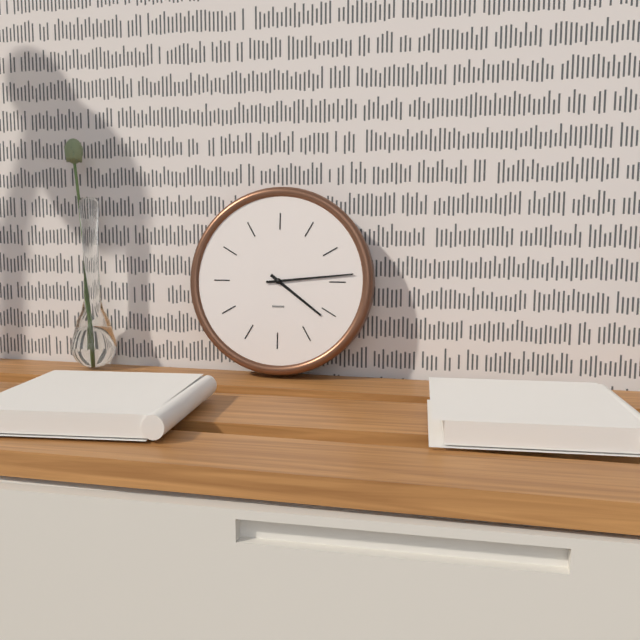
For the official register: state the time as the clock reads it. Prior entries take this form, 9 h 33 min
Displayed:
4 h 14 min
